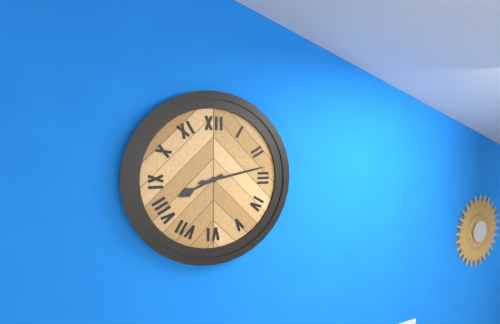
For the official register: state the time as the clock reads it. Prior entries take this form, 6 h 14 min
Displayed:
8 h 13 min
